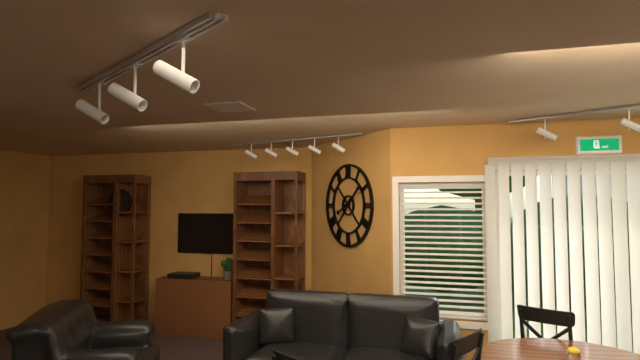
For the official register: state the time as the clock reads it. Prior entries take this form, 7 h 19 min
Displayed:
8 h 09 min
